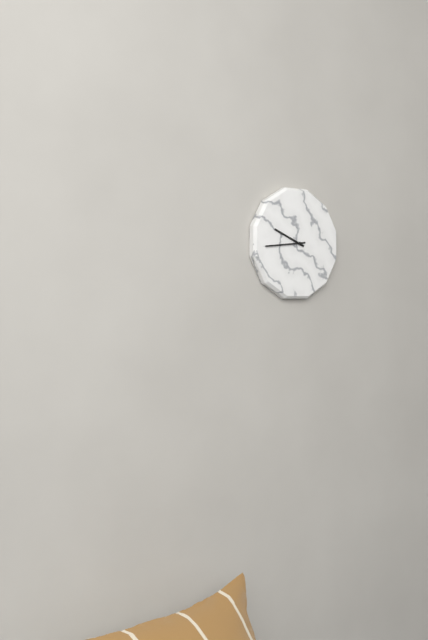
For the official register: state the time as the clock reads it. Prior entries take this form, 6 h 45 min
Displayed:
9 h 44 min
